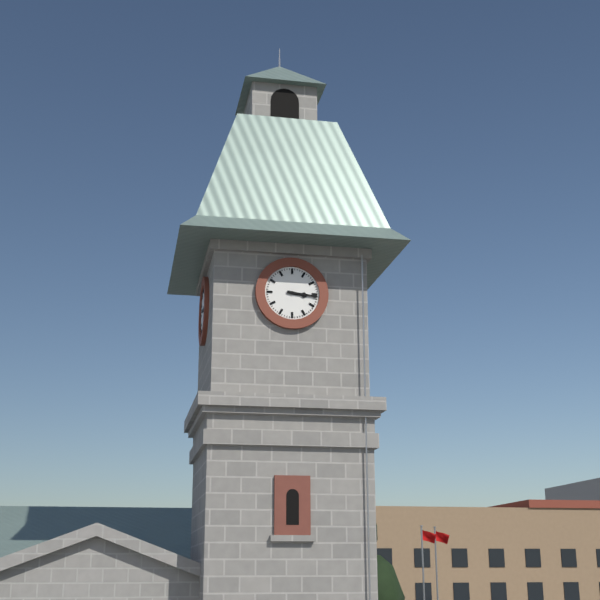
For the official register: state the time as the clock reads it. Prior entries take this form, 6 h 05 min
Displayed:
3 h 16 min
